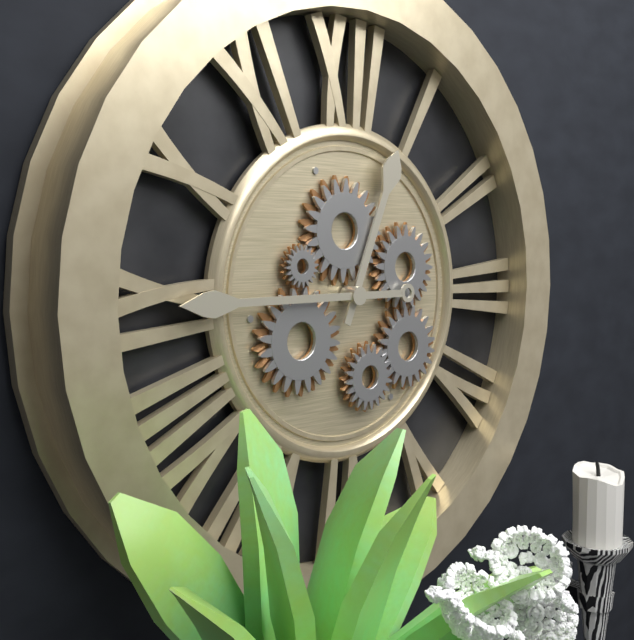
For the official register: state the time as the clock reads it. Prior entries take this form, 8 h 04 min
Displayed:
12 h 45 min
